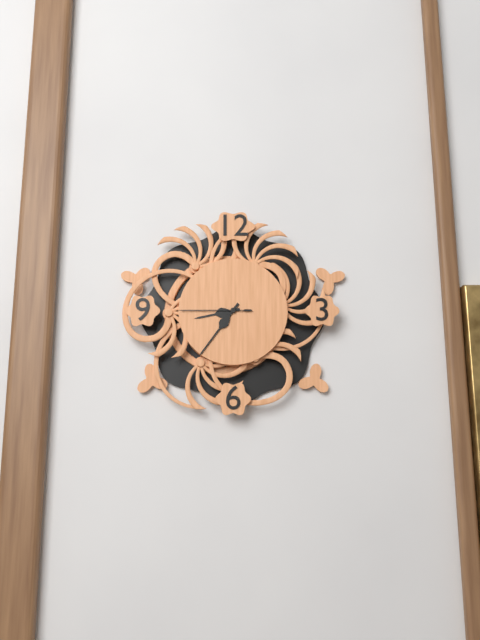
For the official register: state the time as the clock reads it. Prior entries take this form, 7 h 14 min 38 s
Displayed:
8 h 36 min 45 s
